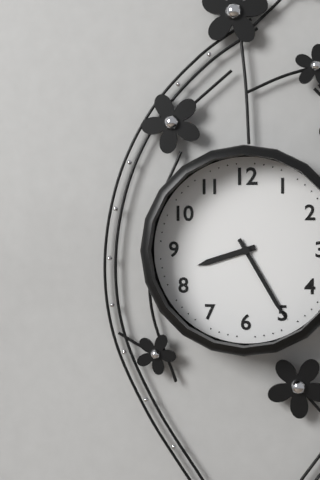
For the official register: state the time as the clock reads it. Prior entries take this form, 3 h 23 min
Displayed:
8 h 25 min
